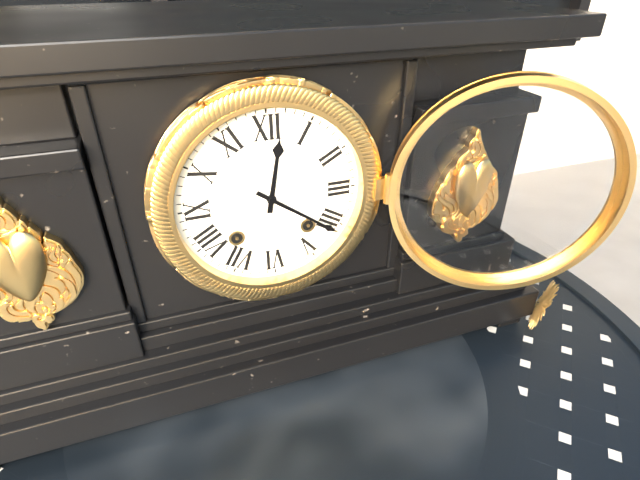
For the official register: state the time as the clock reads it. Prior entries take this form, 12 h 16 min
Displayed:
12 h 21 min
